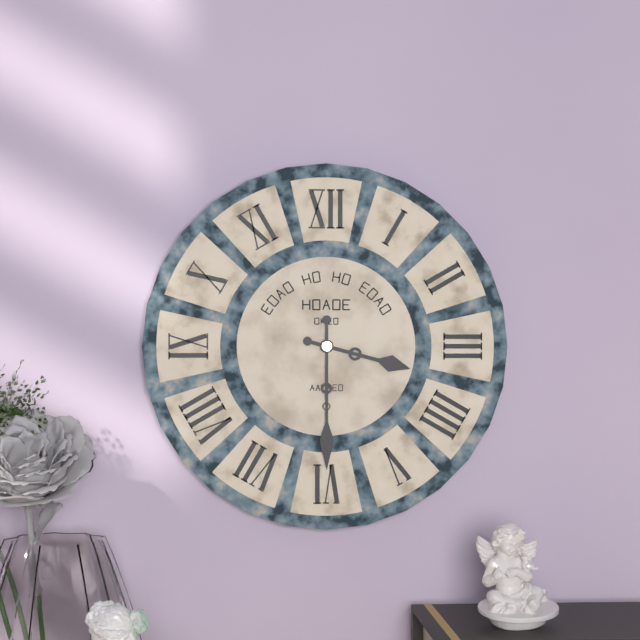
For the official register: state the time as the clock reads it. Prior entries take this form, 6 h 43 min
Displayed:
3 h 30 min
